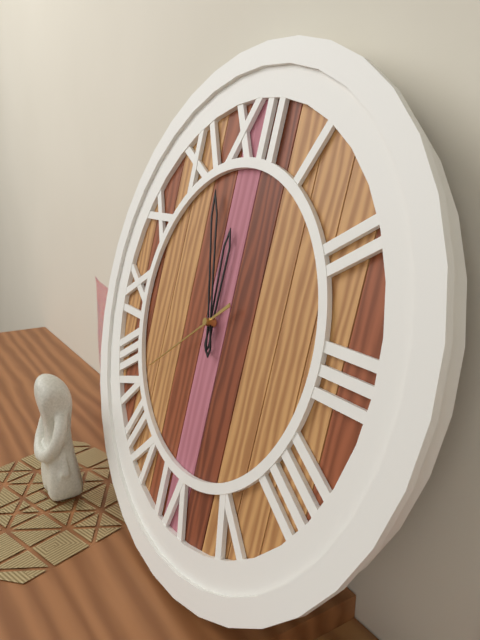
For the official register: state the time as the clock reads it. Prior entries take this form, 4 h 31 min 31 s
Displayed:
11 h 57 min 39 s
